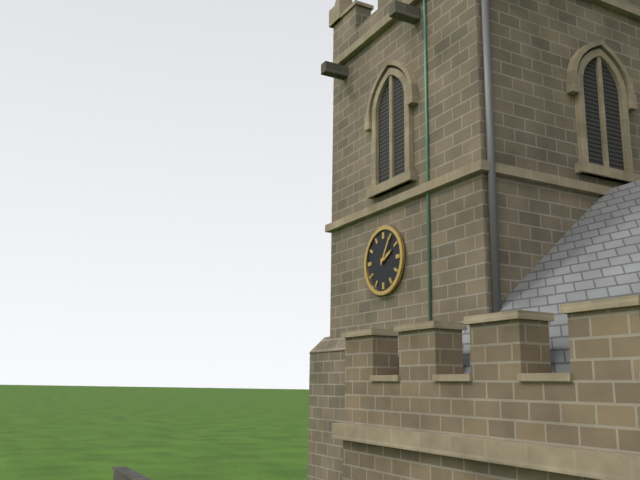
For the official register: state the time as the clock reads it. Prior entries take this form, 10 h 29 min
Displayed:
2 h 05 min
